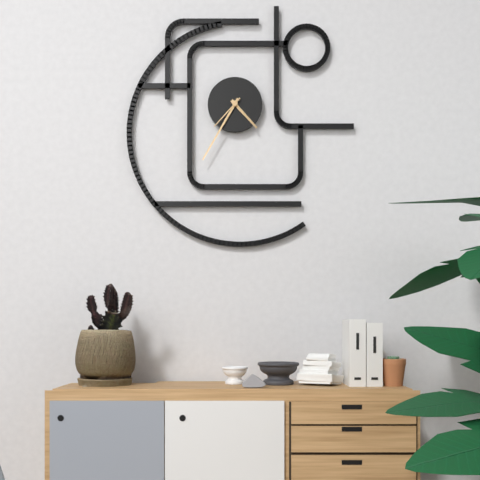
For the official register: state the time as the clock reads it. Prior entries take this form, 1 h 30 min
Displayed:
4 h 35 min
